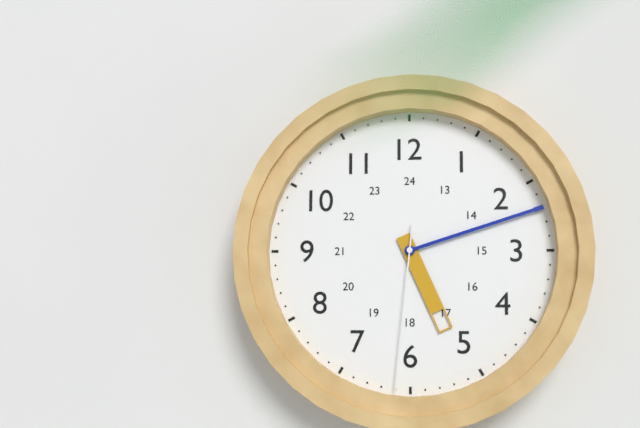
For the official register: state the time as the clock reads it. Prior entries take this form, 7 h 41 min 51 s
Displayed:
5 h 12 min 31 s
